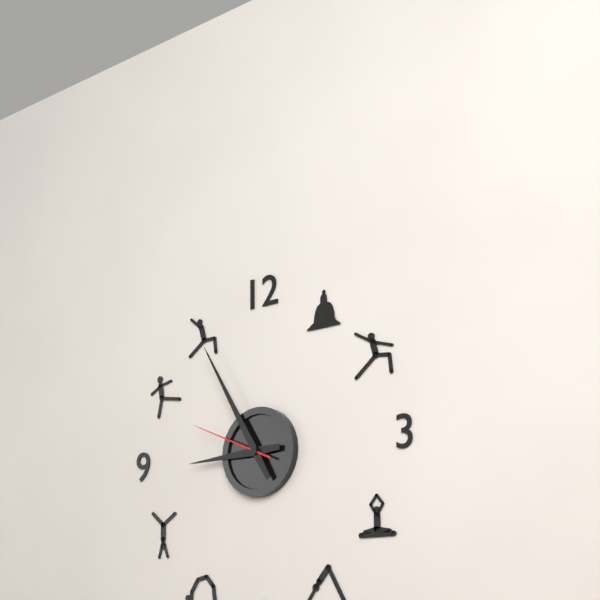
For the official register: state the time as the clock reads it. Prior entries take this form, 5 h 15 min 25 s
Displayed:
8 h 55 min 49 s
